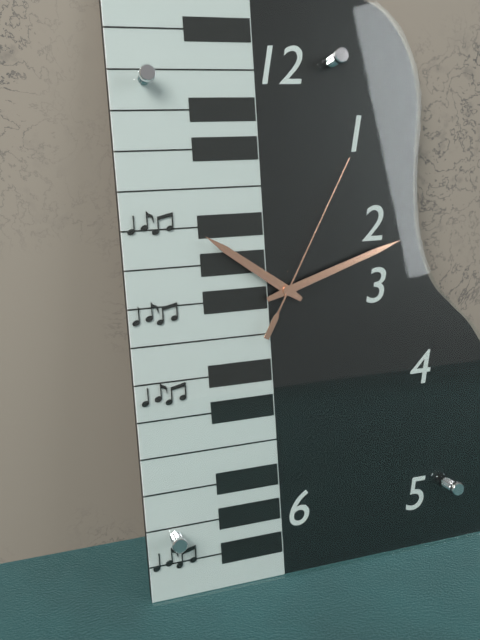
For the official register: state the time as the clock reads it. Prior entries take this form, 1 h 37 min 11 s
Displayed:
10 h 12 min 05 s
